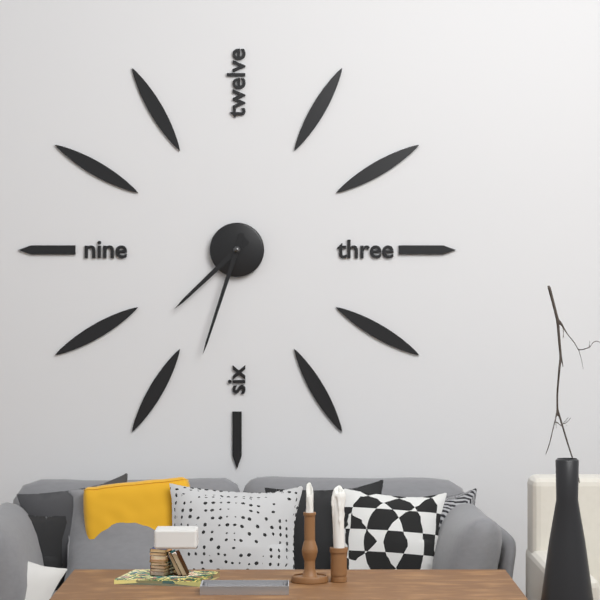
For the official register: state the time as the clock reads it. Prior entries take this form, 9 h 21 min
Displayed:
7 h 33 min
